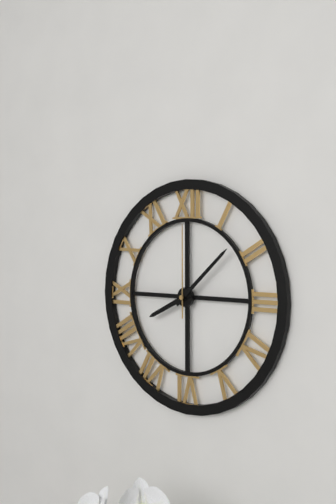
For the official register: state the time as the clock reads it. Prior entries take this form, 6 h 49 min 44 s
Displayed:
8 h 08 min 00 s
